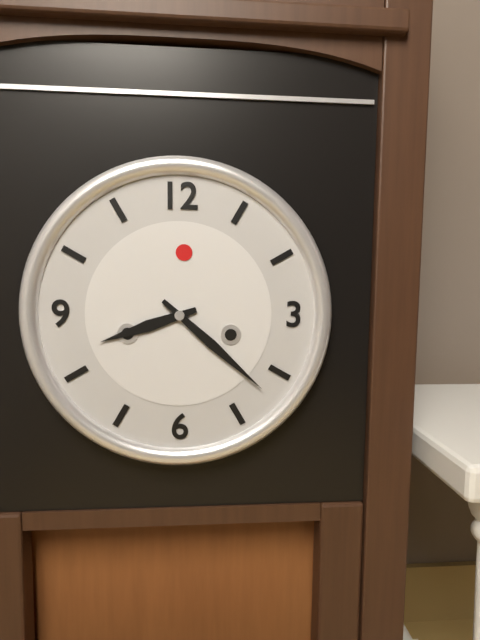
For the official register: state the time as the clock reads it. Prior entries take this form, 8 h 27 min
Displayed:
8 h 22 min
